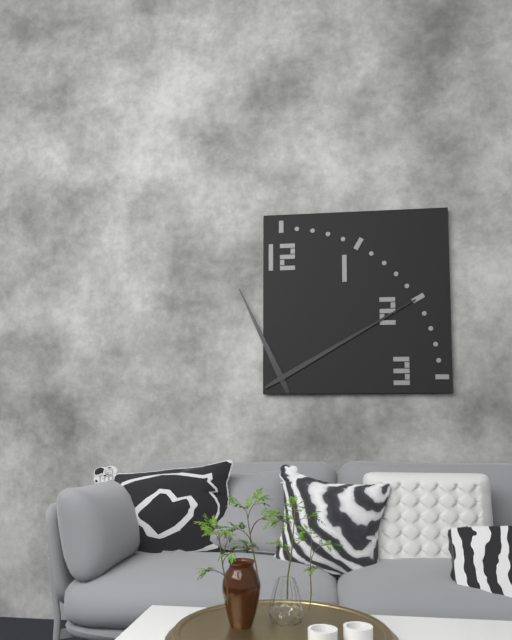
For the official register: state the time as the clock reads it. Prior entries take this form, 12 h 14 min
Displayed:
11 h 10 min
